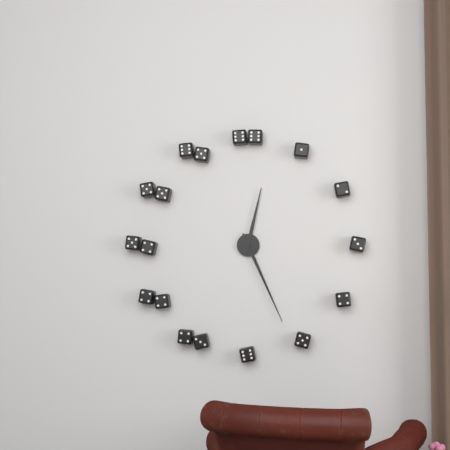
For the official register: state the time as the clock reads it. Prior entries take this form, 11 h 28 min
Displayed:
12 h 26 min
